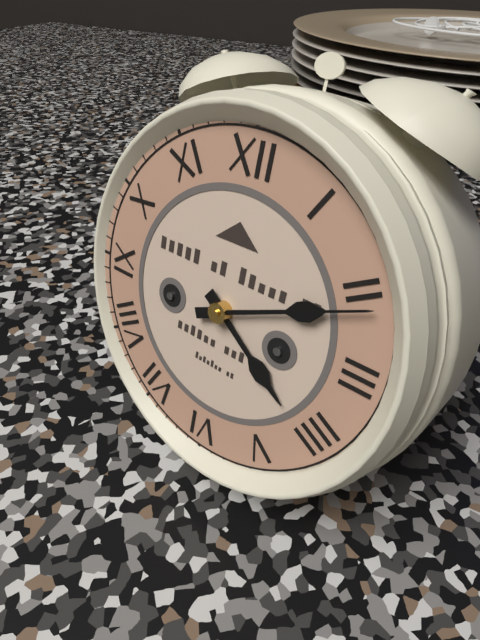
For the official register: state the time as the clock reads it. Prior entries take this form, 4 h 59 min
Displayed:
4 h 11 min
